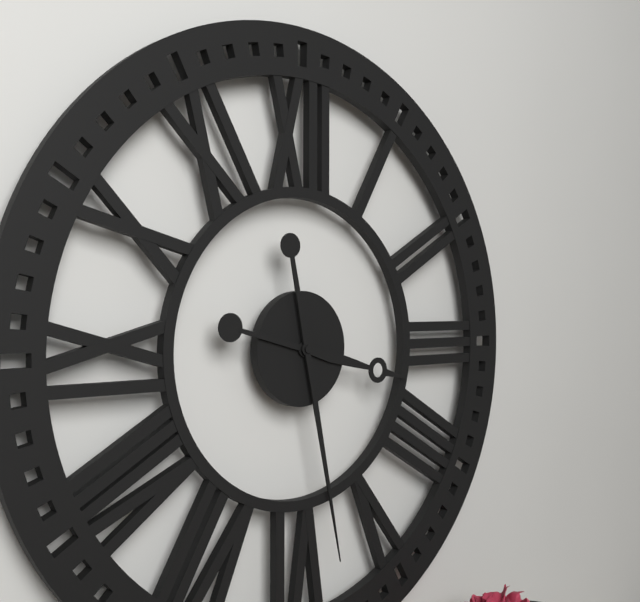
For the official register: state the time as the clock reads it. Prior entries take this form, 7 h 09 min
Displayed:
3 h 28 min
